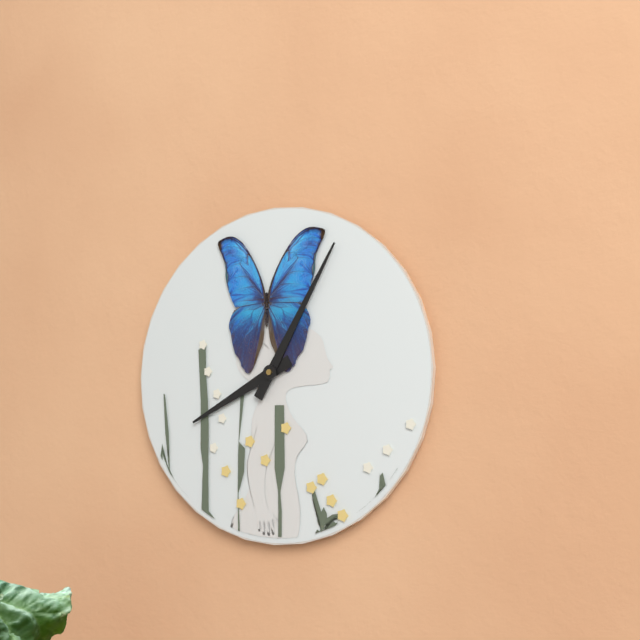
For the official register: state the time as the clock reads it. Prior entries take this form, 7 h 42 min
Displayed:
8 h 05 min
